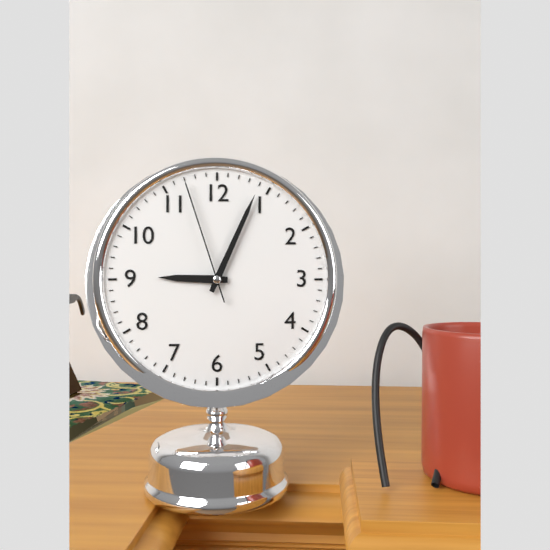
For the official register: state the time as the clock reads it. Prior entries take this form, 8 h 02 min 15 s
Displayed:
9 h 04 min 57 s
